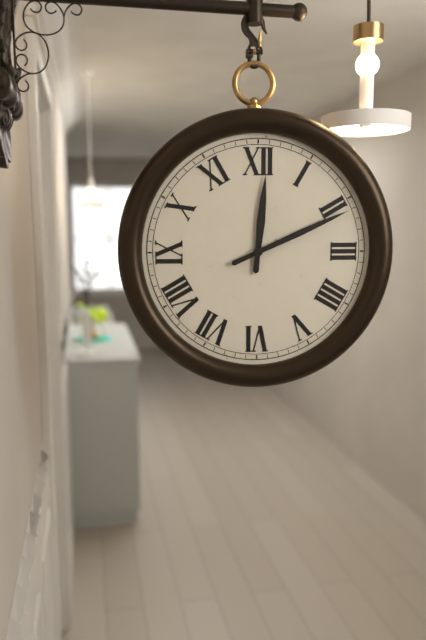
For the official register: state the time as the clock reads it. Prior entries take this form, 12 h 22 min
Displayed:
12 h 11 min
